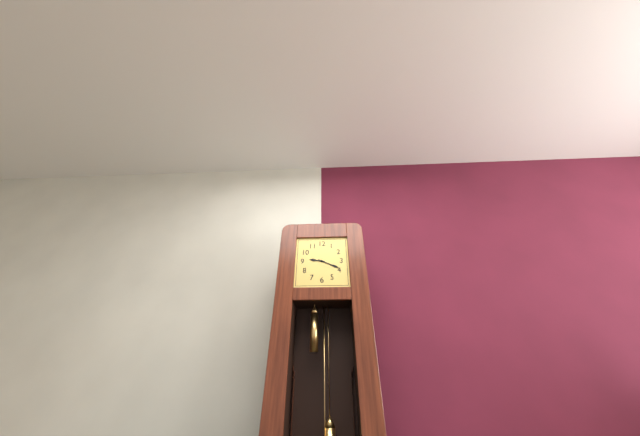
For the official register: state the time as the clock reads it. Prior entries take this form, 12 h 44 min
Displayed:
9 h 19 min
